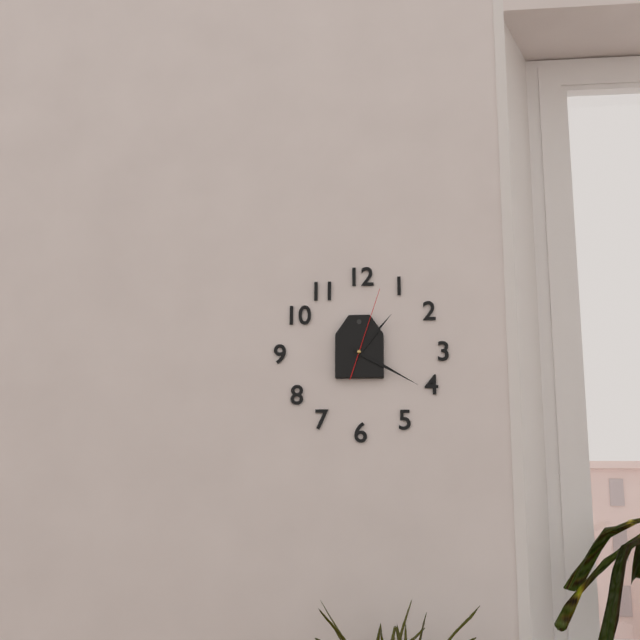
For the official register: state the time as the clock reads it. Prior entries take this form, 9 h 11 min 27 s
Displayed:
1 h 20 min 03 s
